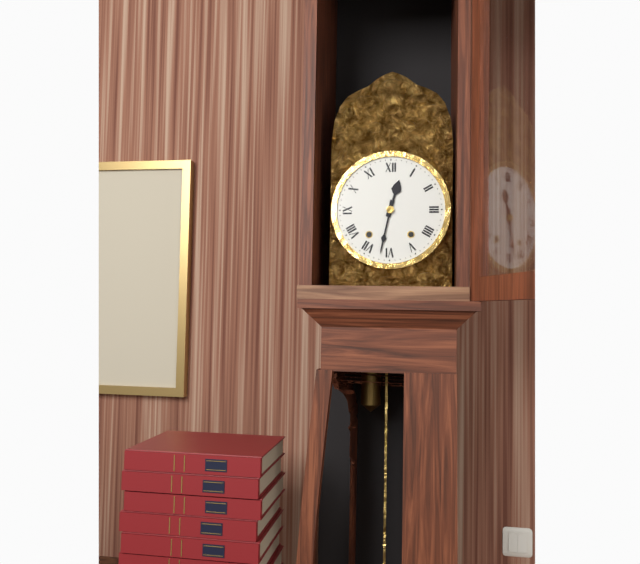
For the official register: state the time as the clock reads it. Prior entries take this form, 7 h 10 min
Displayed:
12 h 32 min
